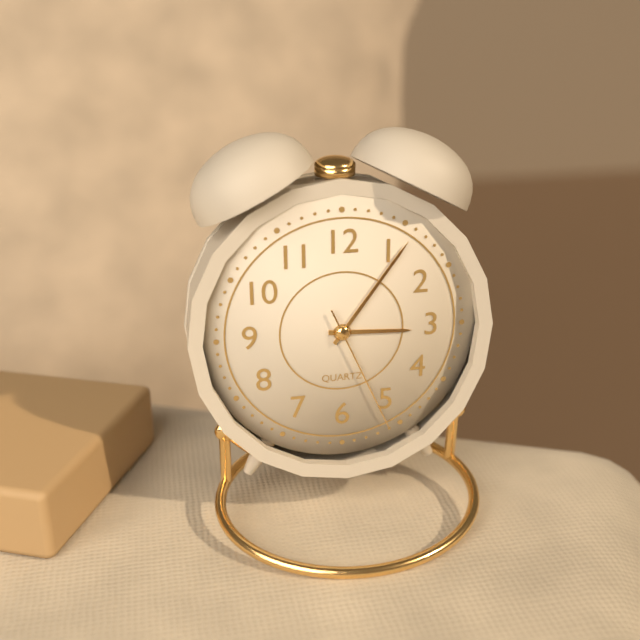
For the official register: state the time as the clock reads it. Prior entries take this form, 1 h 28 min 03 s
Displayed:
3 h 06 min 26 s
